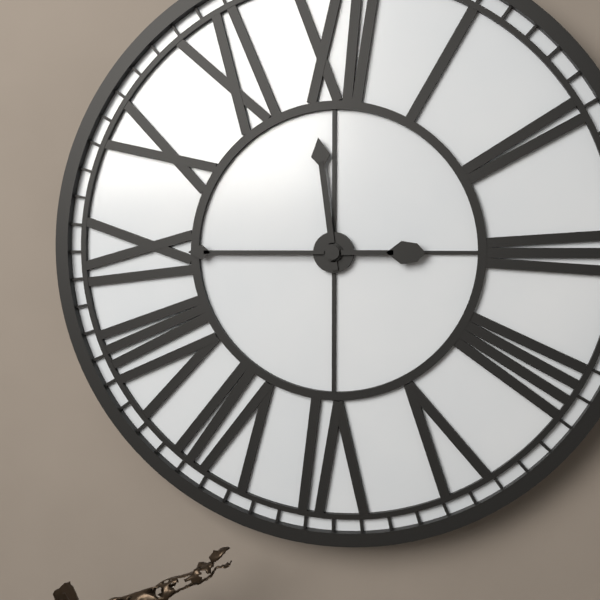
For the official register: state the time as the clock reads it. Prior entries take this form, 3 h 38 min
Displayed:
11 h 45 min
